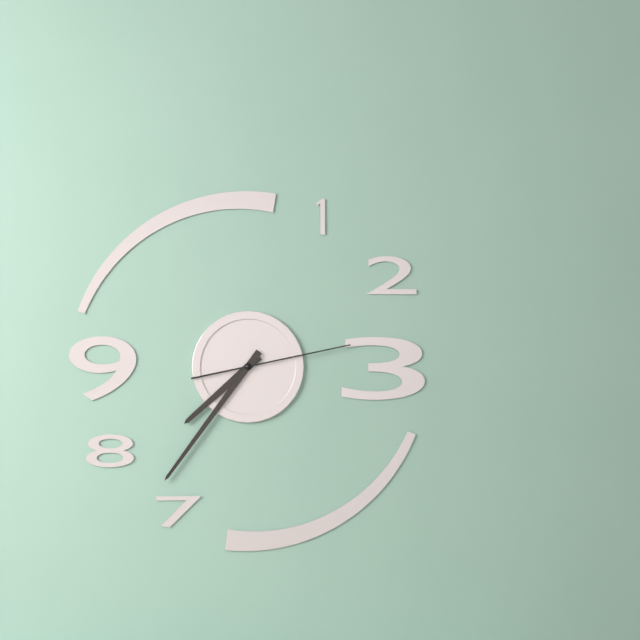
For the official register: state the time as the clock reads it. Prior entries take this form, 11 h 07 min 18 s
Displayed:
7 h 36 min 13 s
